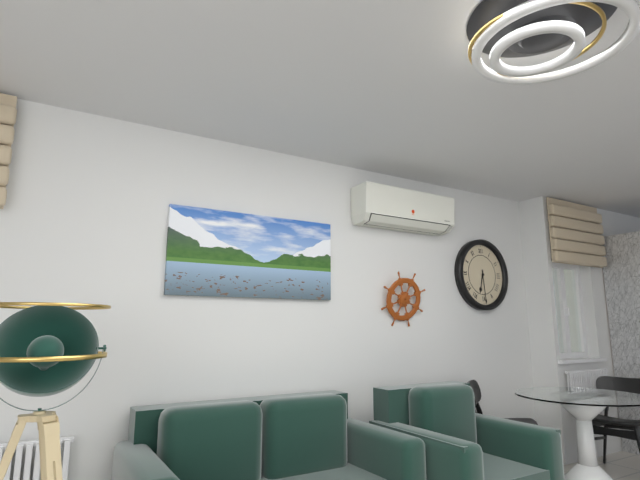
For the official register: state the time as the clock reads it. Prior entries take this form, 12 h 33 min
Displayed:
6 h 29 min
